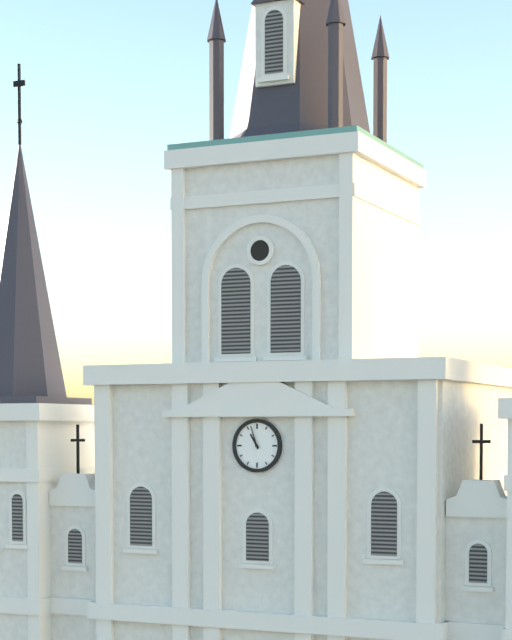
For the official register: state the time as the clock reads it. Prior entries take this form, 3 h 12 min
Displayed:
10 h 57 min
